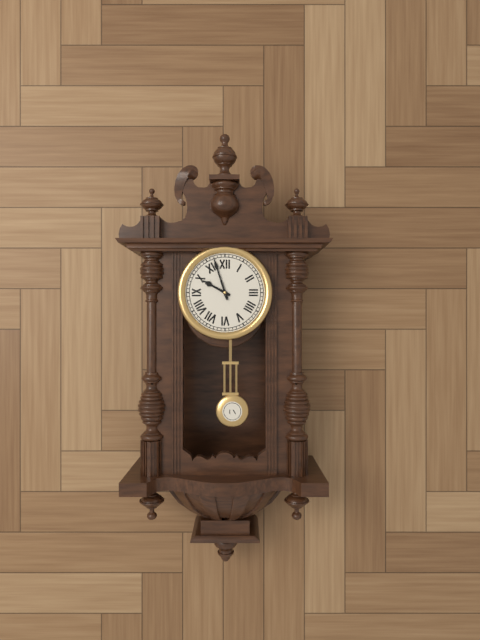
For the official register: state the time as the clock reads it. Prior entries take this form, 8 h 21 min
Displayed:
9 h 57 min
